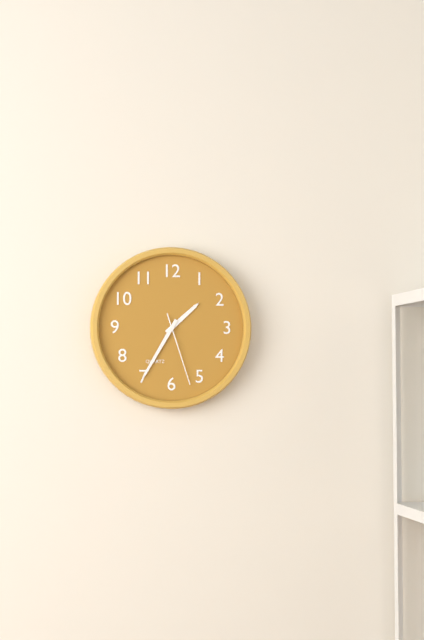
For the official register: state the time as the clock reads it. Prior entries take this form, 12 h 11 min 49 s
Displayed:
1 h 35 min 27 s
